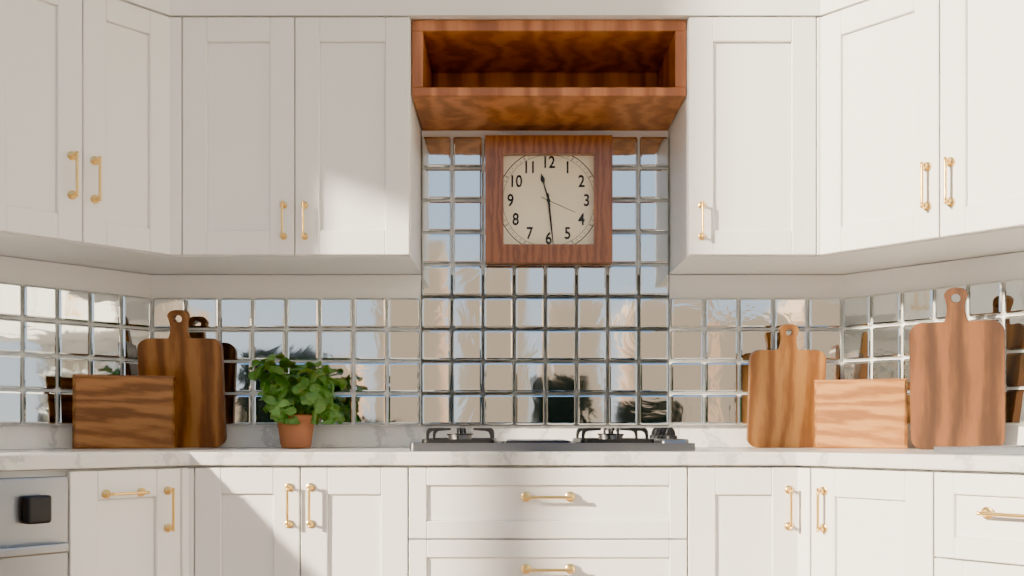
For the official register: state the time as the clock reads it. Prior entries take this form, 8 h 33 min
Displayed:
11 h 29 min
